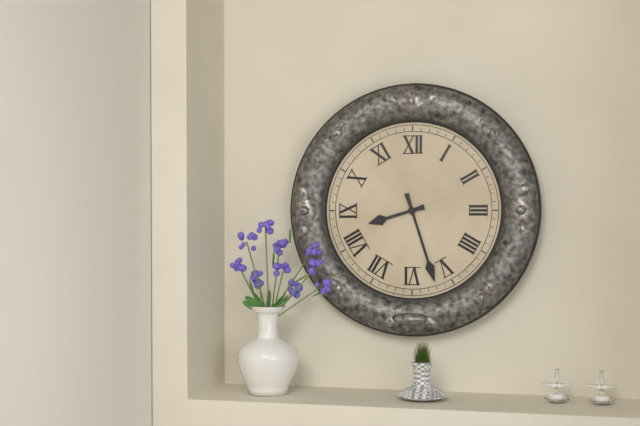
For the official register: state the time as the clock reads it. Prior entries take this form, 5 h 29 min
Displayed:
8 h 27 min
